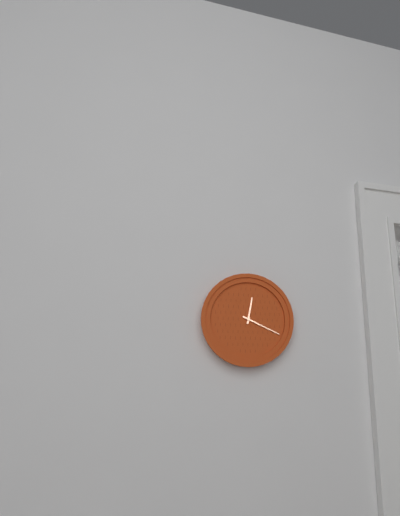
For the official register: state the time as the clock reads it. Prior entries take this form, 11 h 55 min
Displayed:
12 h 19 min
